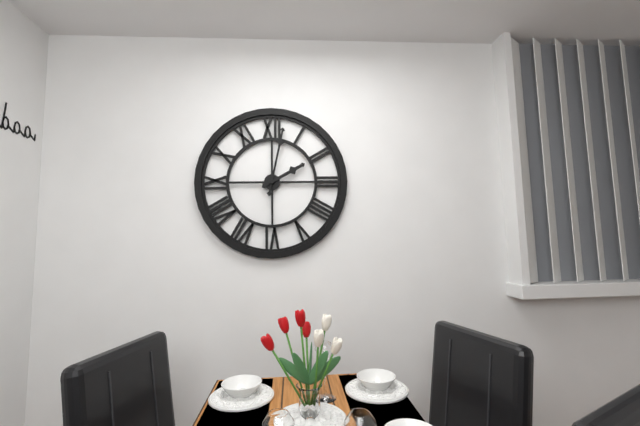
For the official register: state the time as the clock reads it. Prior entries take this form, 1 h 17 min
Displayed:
2 h 02 min
